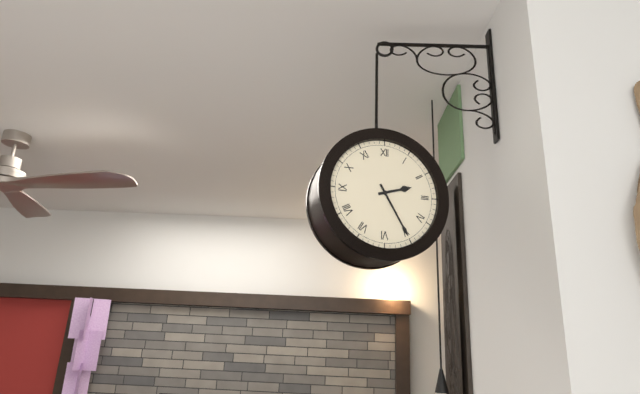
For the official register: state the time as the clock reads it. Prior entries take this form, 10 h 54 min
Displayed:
2 h 25 min
